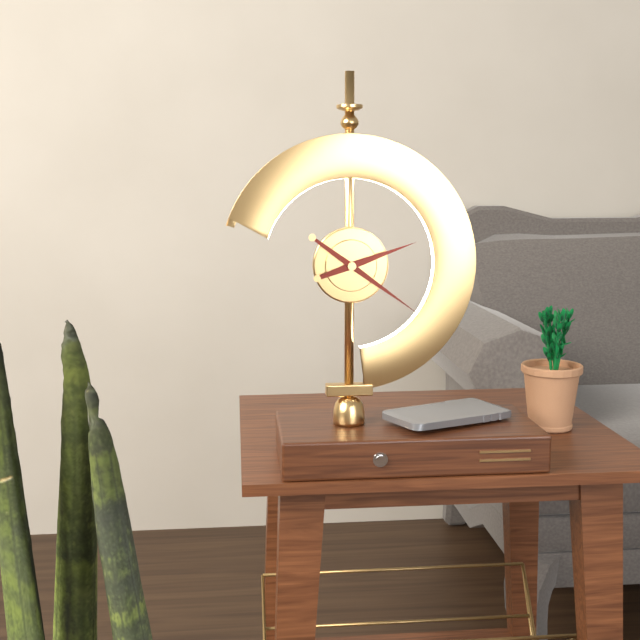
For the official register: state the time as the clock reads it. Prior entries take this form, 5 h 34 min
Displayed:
2 h 21 min
